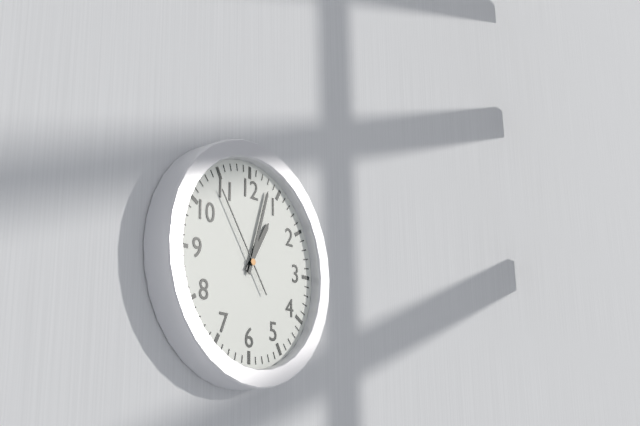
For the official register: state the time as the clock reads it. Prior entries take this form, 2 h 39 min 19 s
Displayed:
1 h 03 min 54 s
